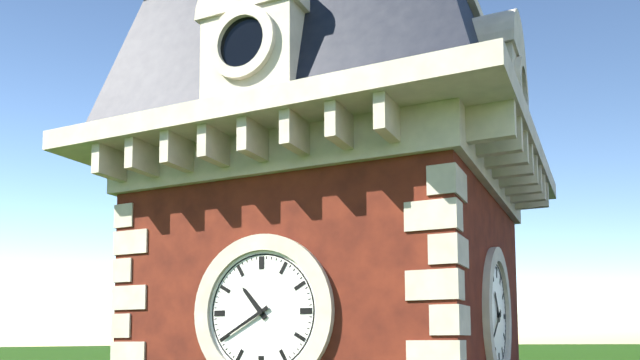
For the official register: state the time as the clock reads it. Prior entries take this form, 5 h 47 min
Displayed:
10 h 40 min
